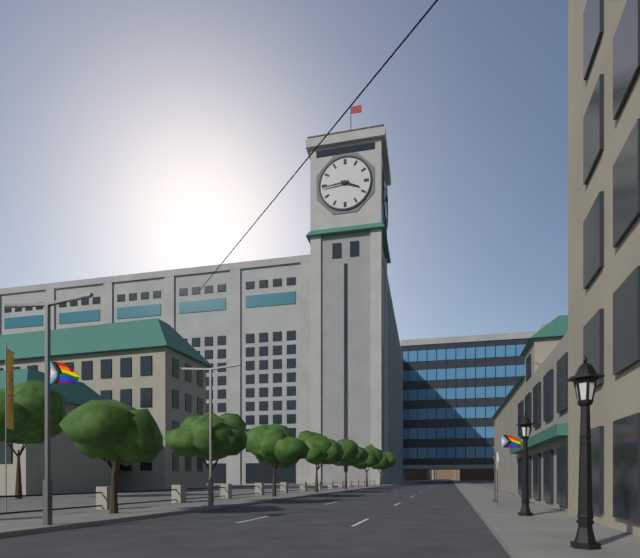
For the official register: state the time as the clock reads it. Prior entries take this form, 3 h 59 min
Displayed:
3 h 44 min
